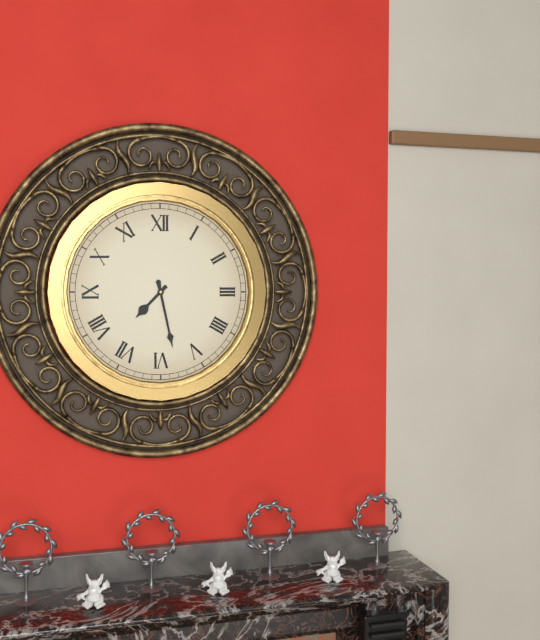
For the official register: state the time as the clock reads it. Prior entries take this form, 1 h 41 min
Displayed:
7 h 28 min
